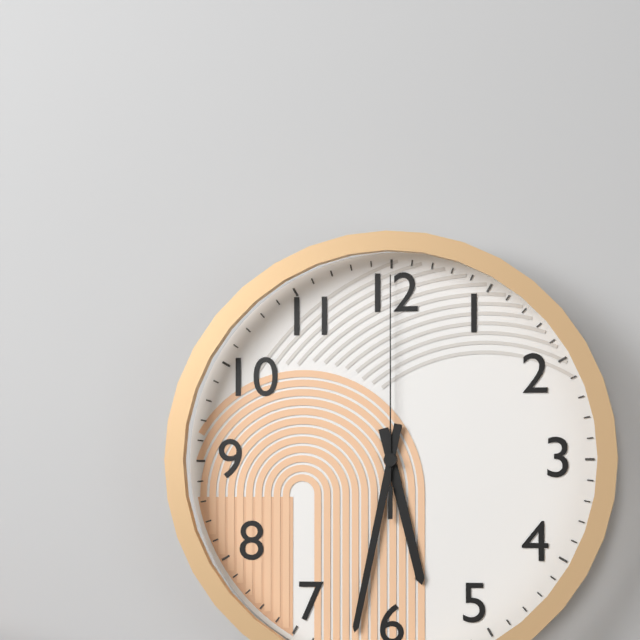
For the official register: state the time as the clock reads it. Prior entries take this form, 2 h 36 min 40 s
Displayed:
5 h 32 min 00 s
